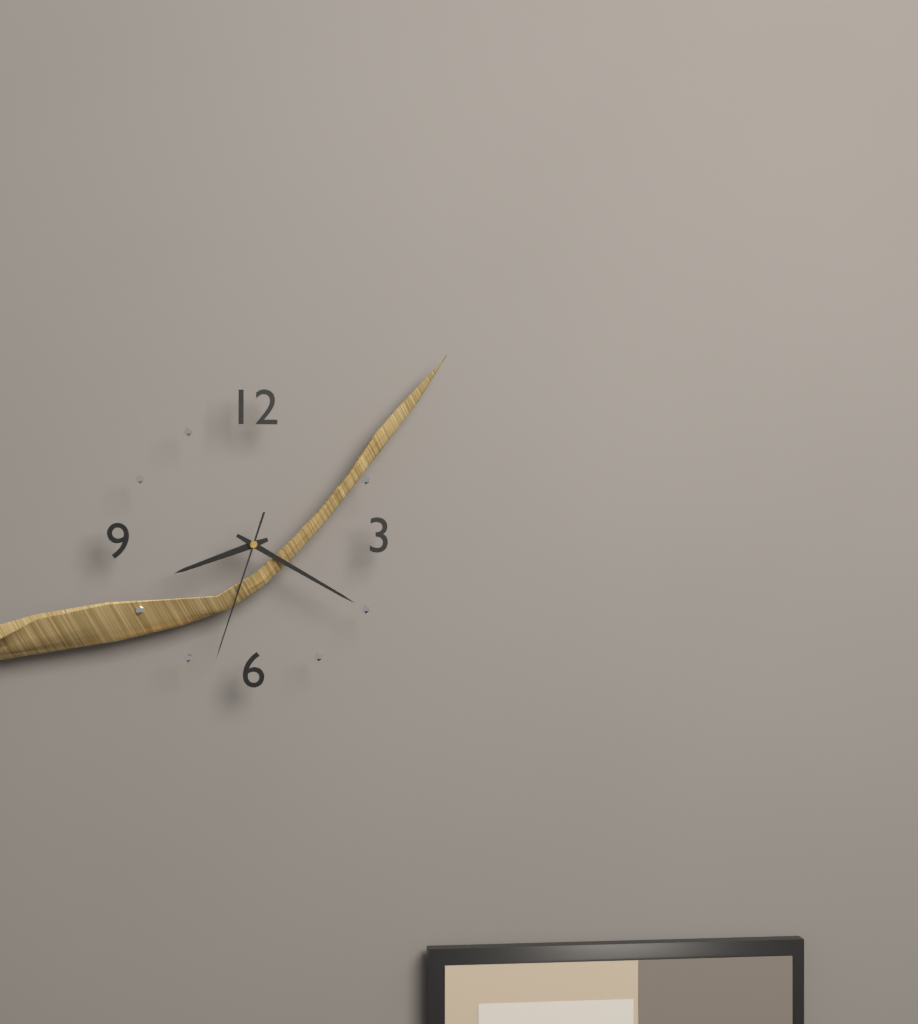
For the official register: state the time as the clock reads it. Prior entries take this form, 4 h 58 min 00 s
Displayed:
8 h 20 min 33 s
